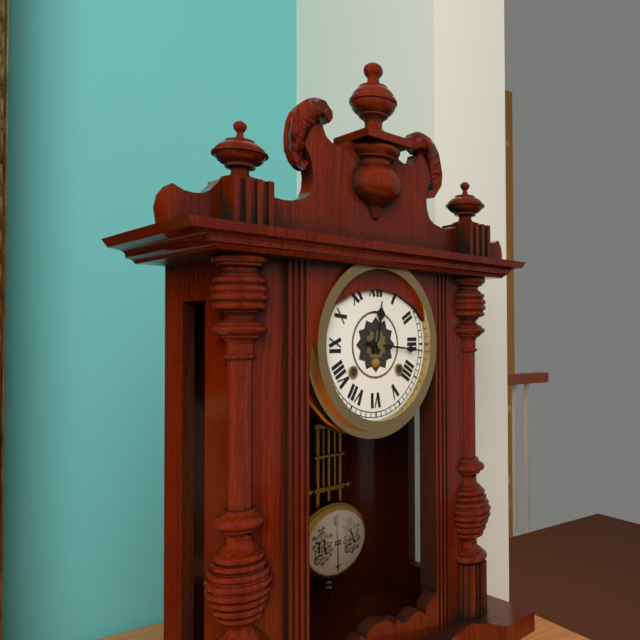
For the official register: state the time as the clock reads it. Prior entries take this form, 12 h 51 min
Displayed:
12 h 16 min
